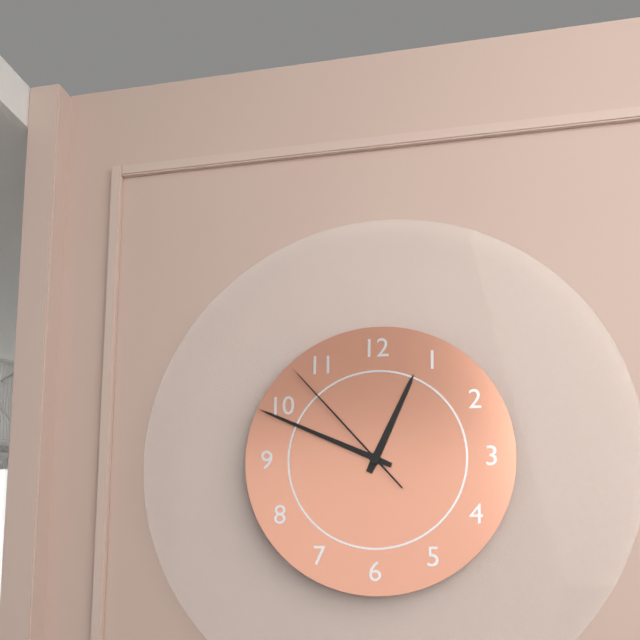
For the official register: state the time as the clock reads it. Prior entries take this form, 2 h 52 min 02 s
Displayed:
12 h 49 min 53 s
